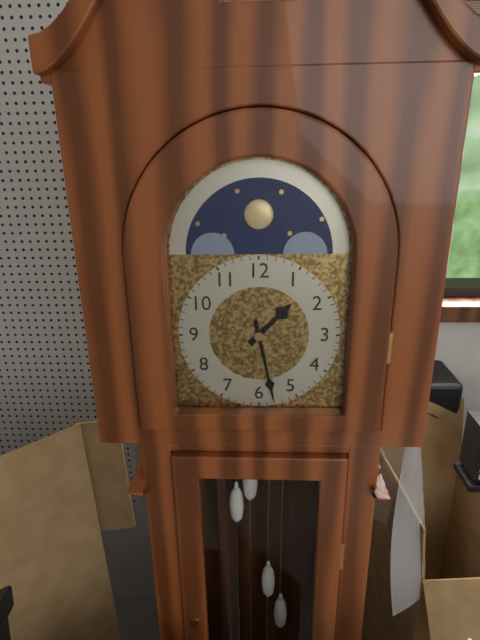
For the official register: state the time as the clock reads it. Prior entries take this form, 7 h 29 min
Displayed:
1 h 28 min
